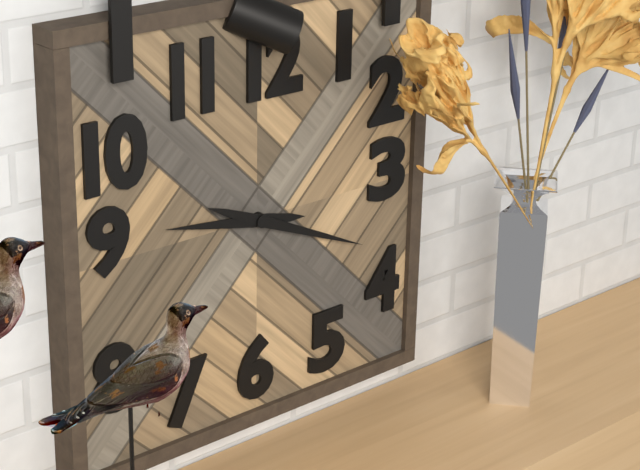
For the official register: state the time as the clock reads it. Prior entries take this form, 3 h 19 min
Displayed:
9 h 19 min
